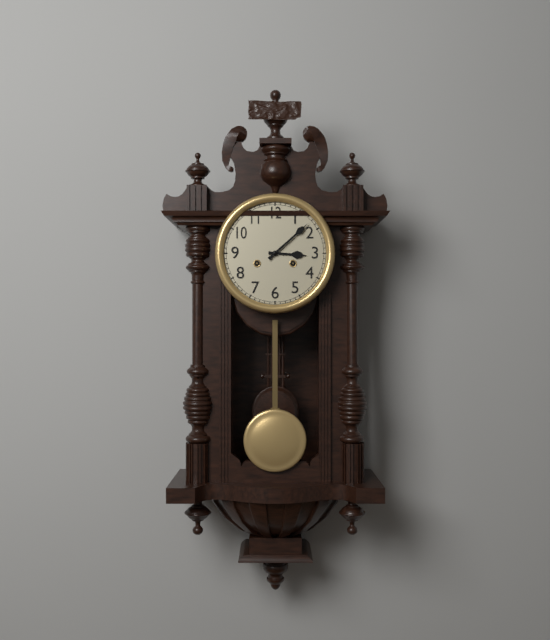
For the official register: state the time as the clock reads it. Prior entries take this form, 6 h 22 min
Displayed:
3 h 08 min
